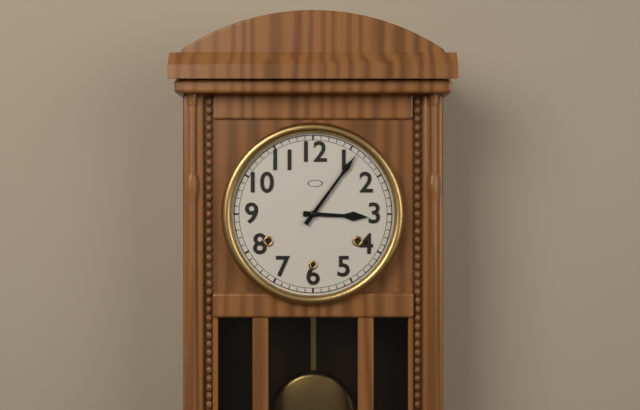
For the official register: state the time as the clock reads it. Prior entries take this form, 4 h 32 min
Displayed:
3 h 06 min
